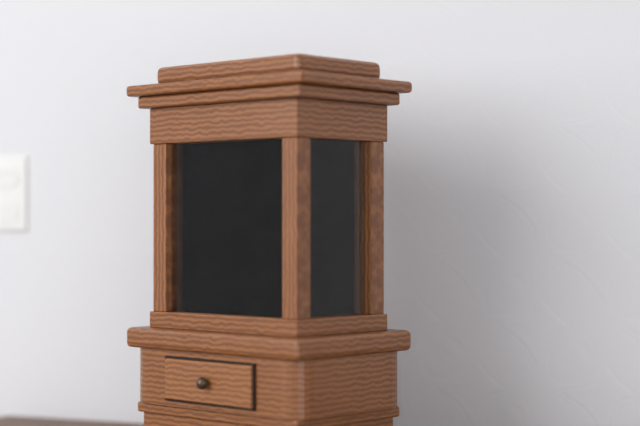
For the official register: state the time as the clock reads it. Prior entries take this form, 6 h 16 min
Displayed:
12 h 09 min
